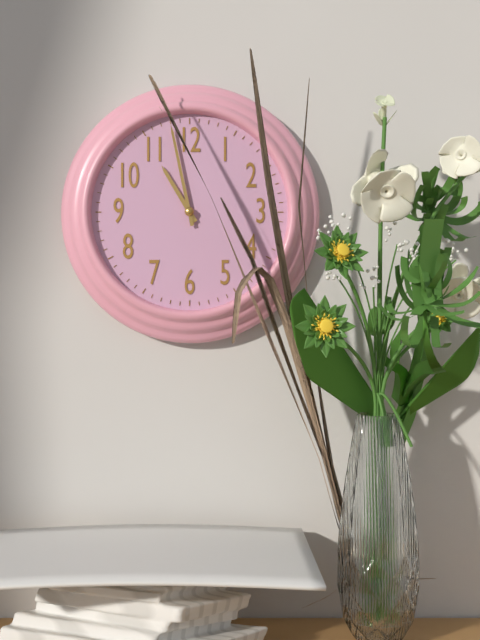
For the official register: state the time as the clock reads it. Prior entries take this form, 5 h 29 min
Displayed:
10 h 58 min
